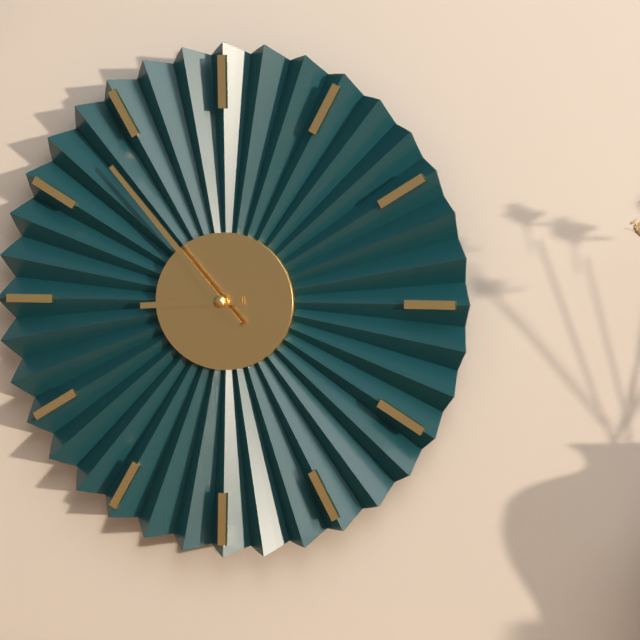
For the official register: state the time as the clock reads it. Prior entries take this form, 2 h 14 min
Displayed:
8 h 53 min
